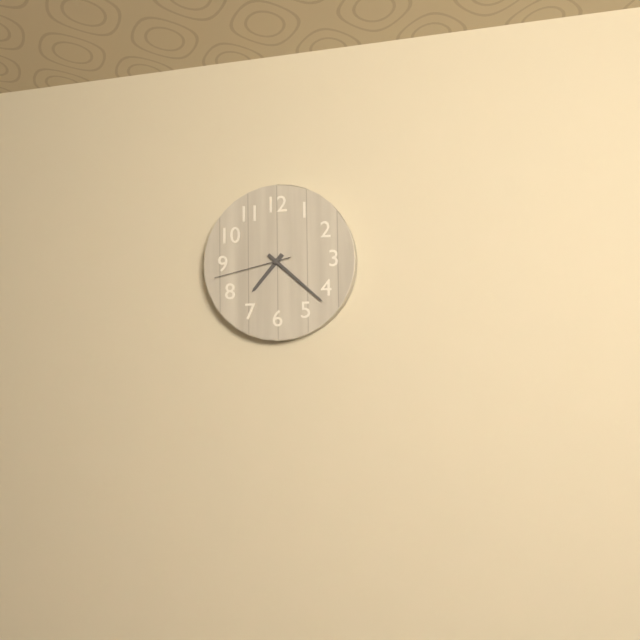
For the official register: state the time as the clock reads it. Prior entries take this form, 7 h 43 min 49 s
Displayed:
7 h 22 min 43 s
